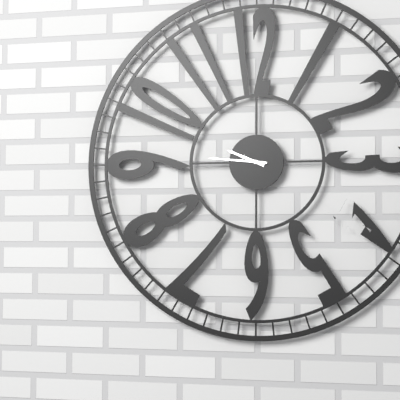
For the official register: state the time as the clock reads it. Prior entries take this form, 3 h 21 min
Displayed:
9 h 46 min
